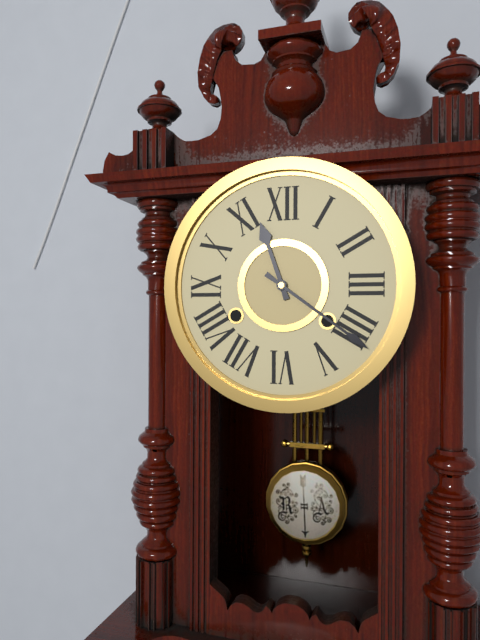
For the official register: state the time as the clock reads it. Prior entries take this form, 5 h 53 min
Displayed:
11 h 21 min
